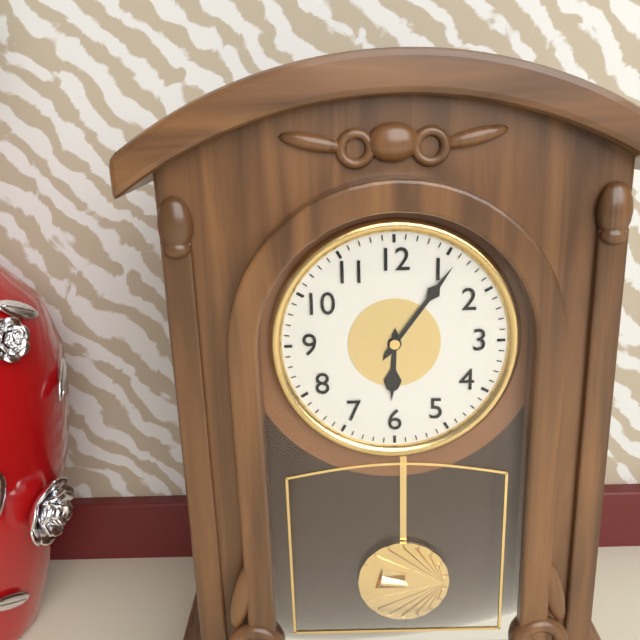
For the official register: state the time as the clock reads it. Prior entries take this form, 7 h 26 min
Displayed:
6 h 06 min
